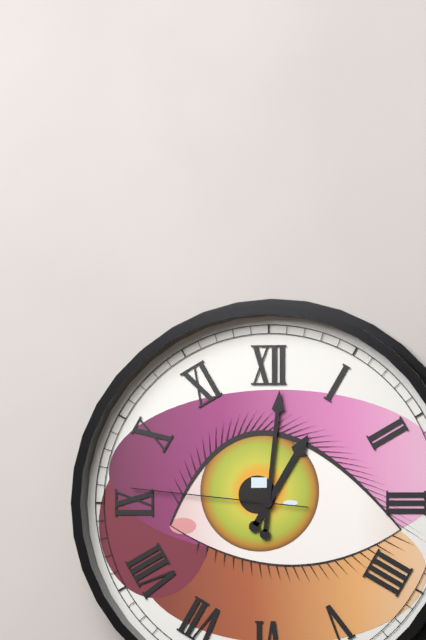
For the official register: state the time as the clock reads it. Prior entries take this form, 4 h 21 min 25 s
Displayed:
1 h 01 min 46 s
